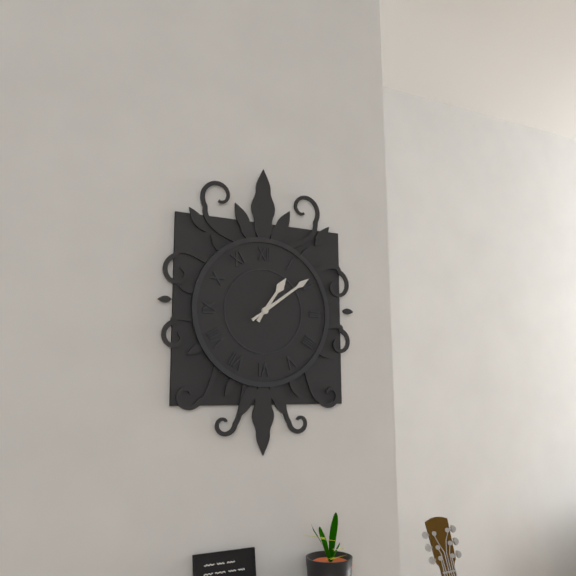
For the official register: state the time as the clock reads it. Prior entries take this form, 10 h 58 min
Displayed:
1 h 09 min
